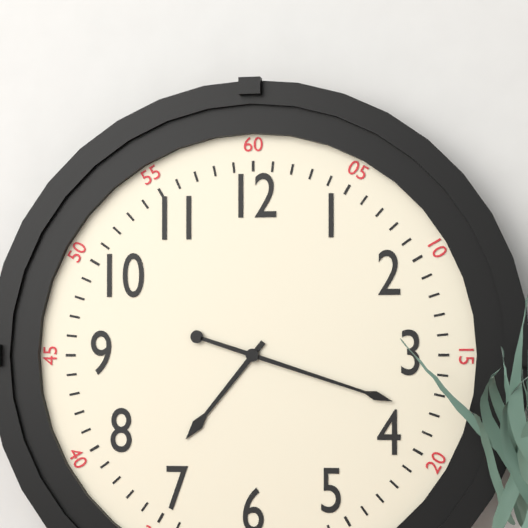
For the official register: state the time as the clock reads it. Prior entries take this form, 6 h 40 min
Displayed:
7 h 18 min
